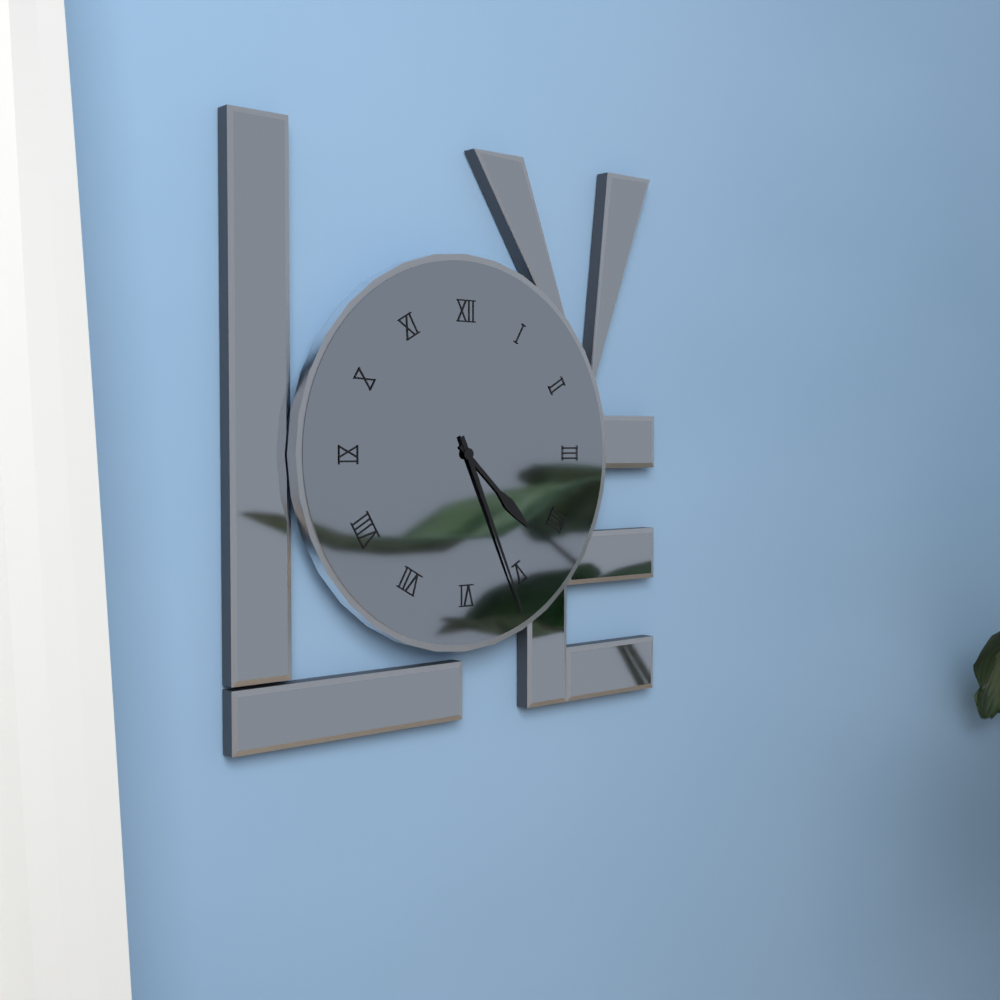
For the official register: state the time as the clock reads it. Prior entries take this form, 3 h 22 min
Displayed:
4 h 26 min
